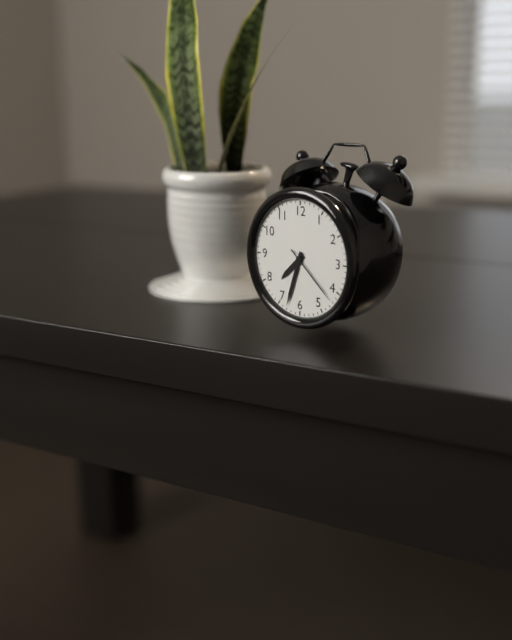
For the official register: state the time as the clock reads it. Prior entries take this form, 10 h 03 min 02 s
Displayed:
7 h 33 min 22 s
